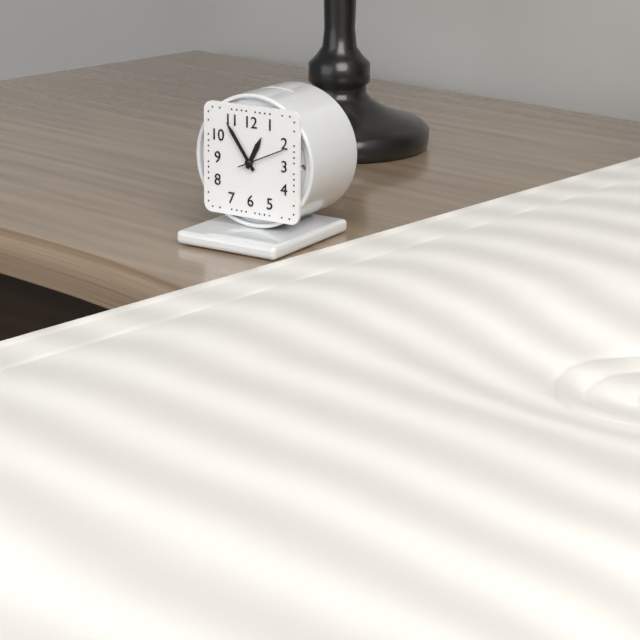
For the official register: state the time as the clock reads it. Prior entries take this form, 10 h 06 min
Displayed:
12 h 54 min
